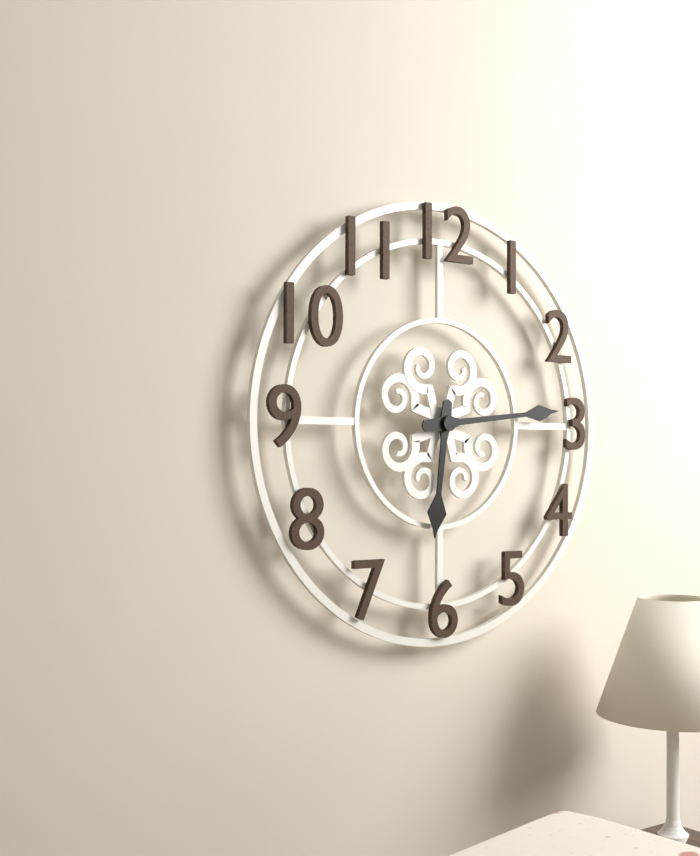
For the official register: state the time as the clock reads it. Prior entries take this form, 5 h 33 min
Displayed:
6 h 14 min
